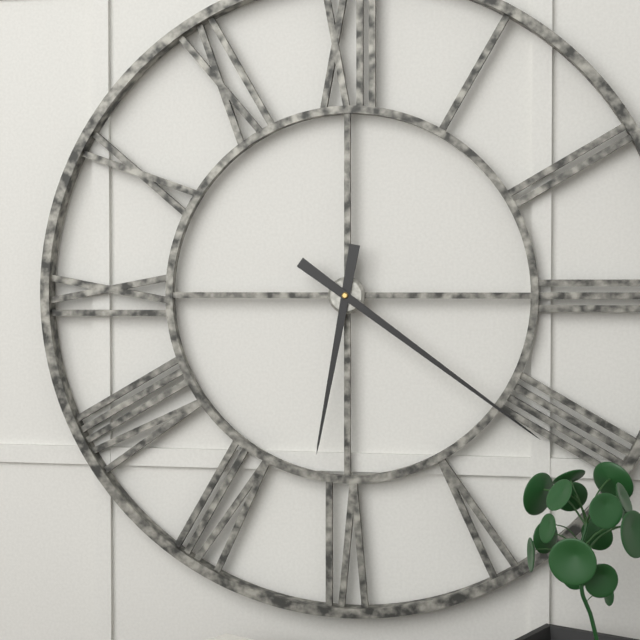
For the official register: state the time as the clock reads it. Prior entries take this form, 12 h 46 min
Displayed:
6 h 21 min
